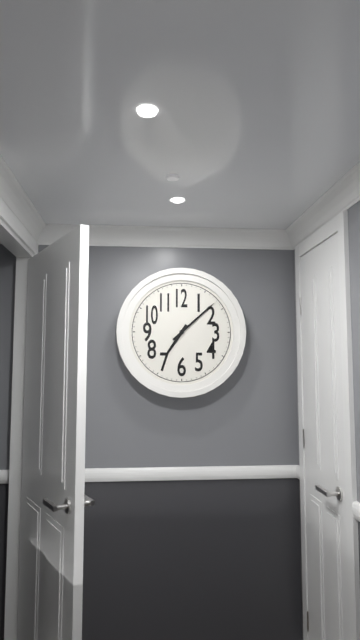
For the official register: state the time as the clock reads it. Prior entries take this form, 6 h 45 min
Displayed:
7 h 08 min
